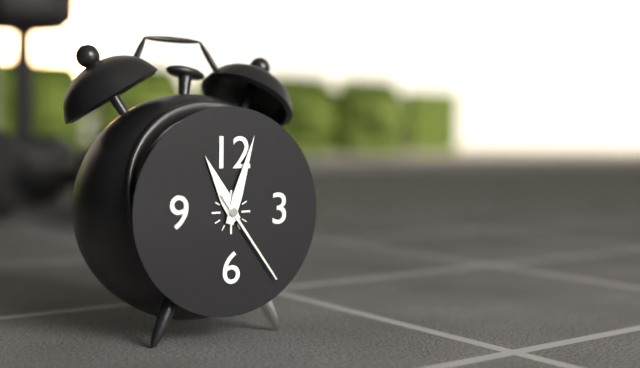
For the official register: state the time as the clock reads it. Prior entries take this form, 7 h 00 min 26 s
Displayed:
11 h 03 min 24 s
